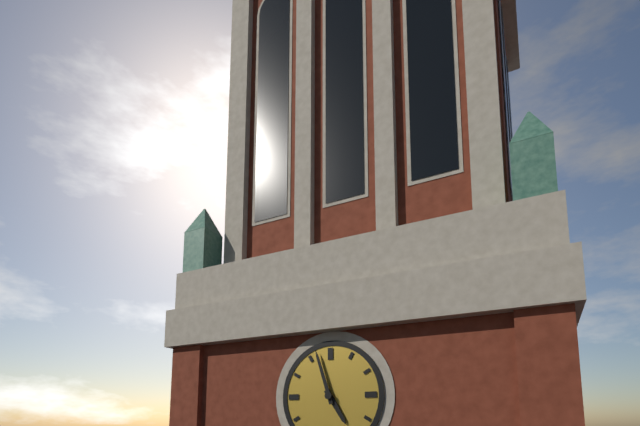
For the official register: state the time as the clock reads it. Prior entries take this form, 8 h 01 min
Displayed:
4 h 57 min
